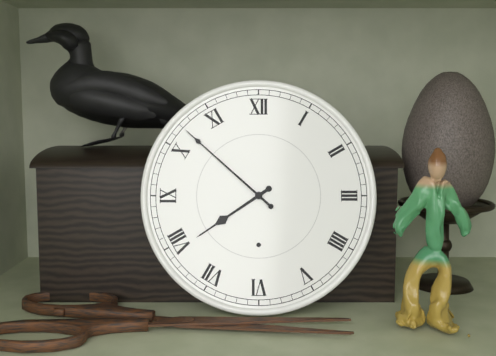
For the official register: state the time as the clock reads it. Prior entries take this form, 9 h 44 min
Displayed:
7 h 52 min
